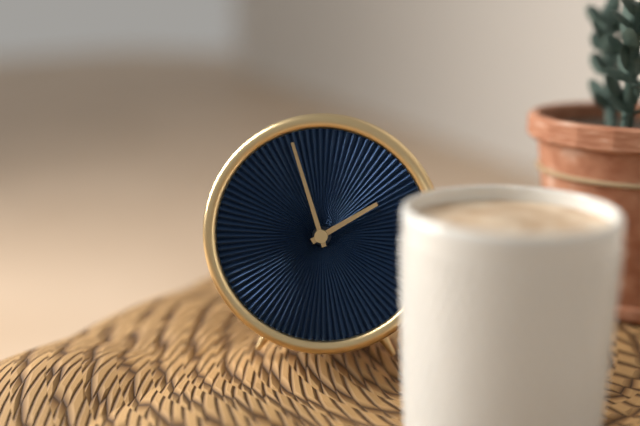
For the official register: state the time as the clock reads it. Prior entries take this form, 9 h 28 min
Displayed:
1 h 57 min
